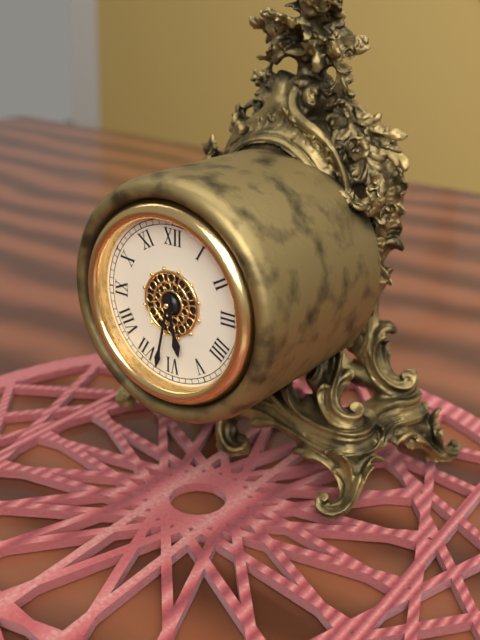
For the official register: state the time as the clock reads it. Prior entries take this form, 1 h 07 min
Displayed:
5 h 32 min
